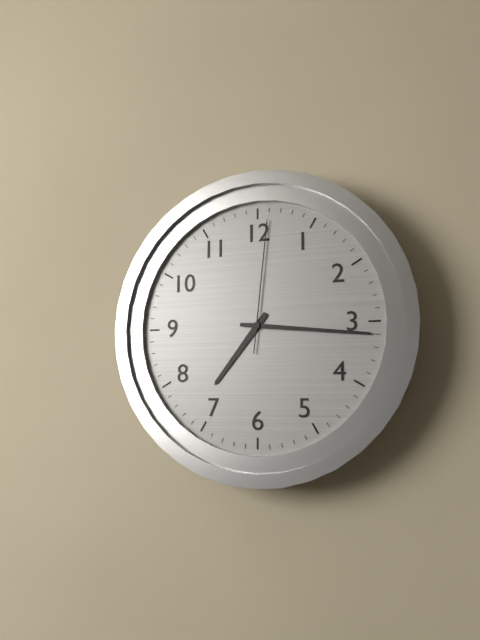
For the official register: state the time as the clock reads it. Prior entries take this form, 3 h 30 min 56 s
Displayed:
7 h 16 min 01 s
